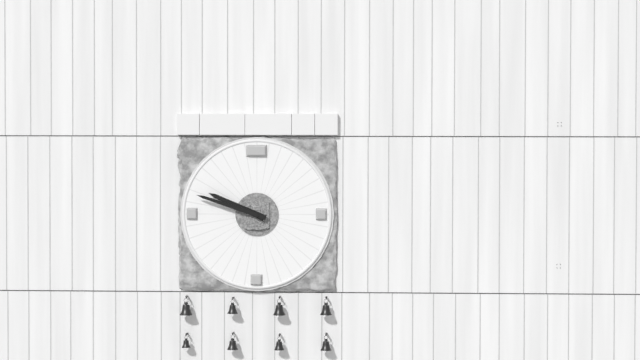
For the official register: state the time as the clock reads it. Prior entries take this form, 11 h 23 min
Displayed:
9 h 48 min
